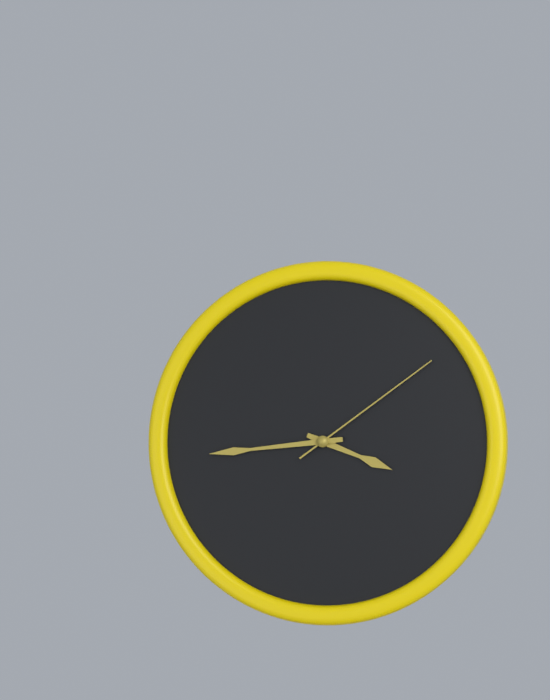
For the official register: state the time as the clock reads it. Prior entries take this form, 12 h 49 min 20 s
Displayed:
3 h 44 min 09 s
